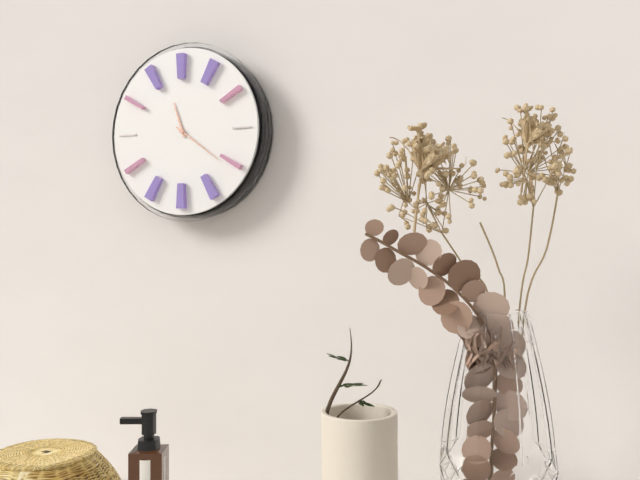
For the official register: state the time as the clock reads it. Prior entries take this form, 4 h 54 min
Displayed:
11 h 21 min
